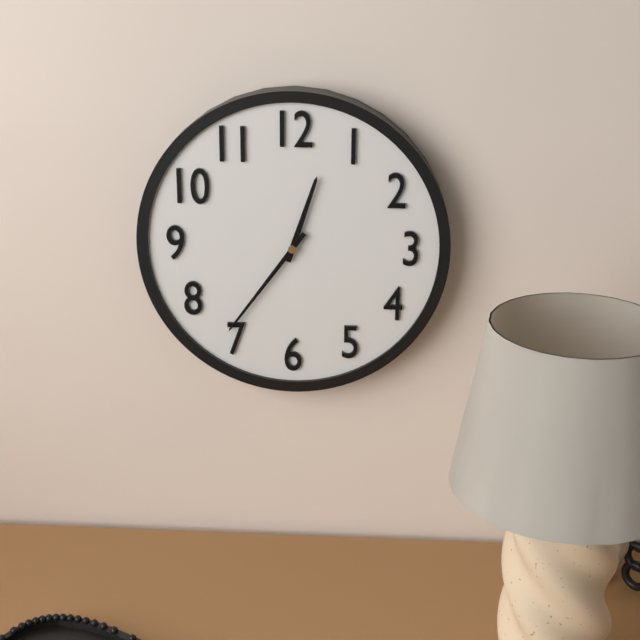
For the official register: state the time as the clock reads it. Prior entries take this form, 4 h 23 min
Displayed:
12 h 36 min
